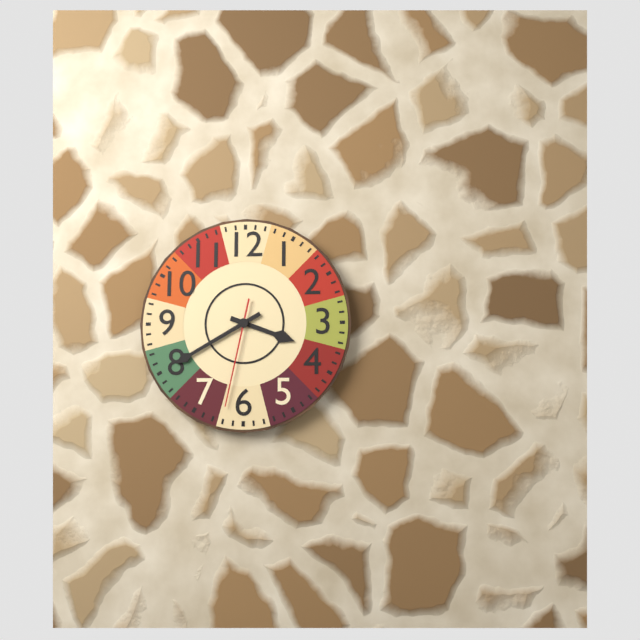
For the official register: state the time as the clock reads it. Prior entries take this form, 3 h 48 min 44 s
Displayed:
3 h 40 min 32 s
